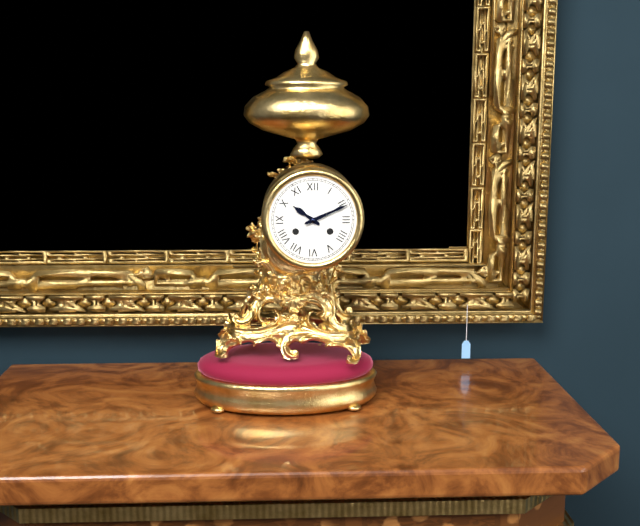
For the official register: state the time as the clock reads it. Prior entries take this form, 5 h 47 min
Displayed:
10 h 11 min
